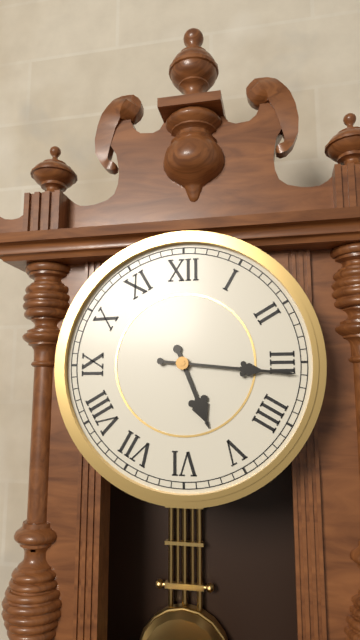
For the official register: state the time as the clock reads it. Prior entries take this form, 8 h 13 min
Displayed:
5 h 16 min
